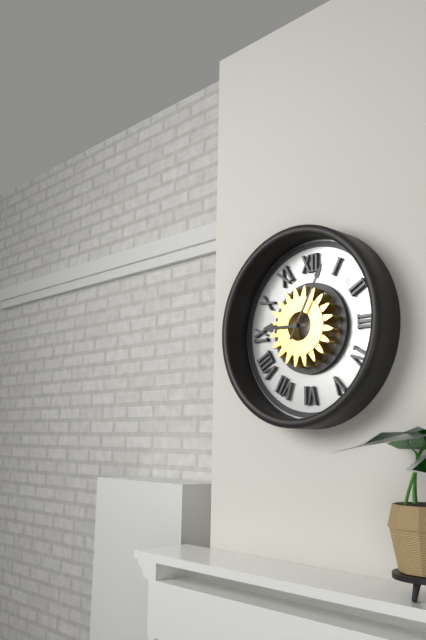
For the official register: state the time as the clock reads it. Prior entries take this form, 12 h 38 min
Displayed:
9 h 05 min
